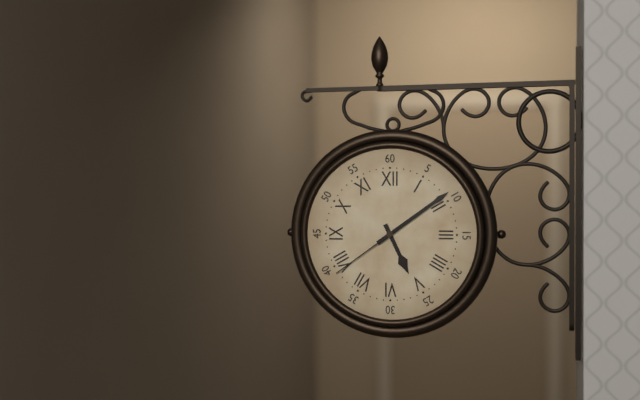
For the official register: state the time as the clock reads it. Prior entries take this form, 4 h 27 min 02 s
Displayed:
5 h 09 min 39 s
